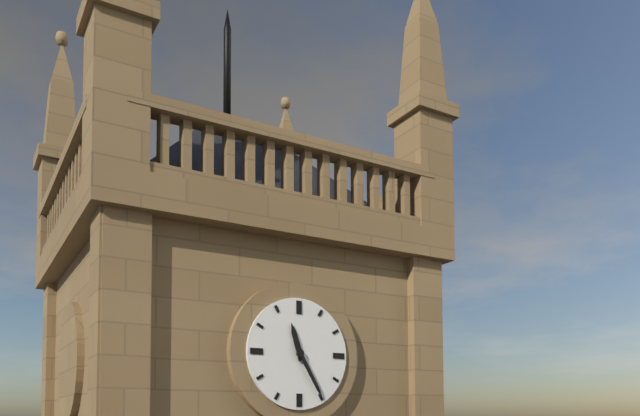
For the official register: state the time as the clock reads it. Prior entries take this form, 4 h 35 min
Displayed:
11 h 25 min
